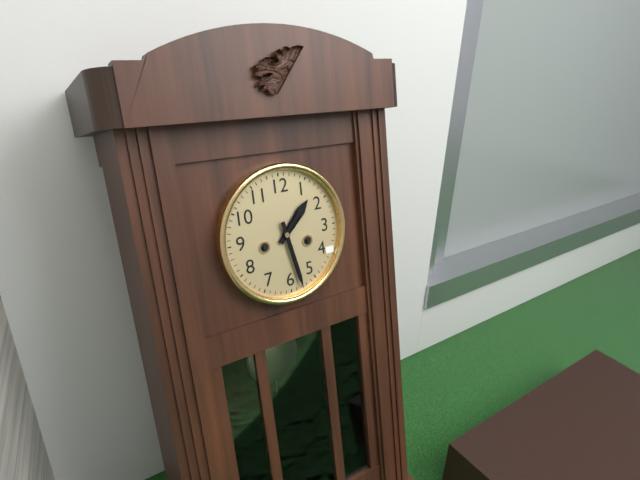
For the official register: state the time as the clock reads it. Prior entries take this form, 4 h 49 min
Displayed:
1 h 28 min
